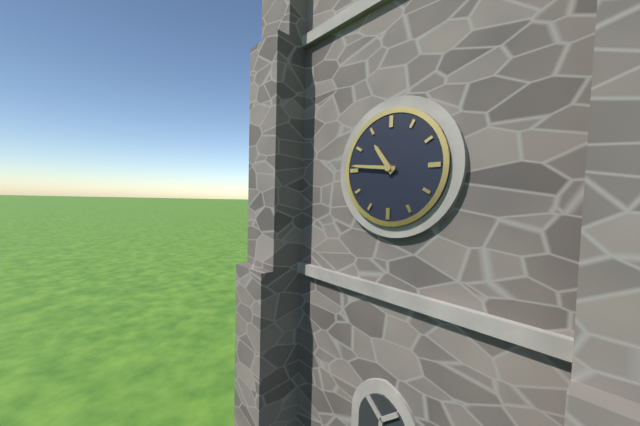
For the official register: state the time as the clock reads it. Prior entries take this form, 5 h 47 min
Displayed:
10 h 46 min
